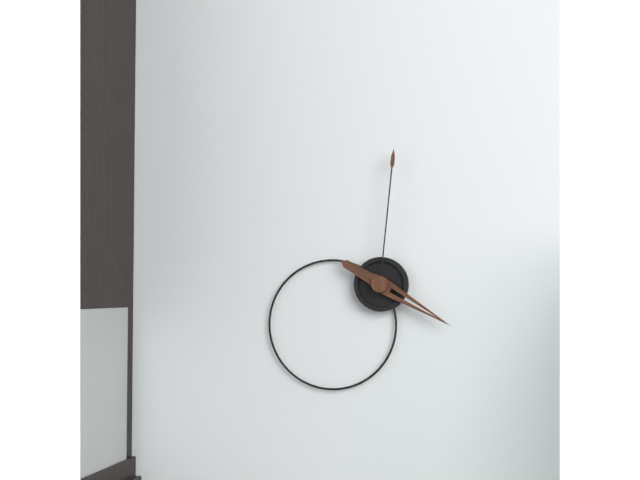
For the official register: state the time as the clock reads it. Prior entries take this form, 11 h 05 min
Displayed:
4 h 01 min
